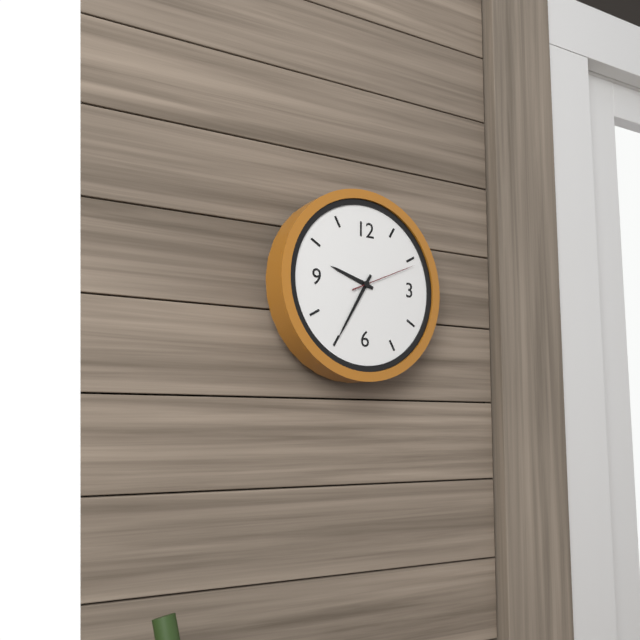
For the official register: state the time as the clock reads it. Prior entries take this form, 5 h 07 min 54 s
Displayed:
9 h 35 min 11 s
